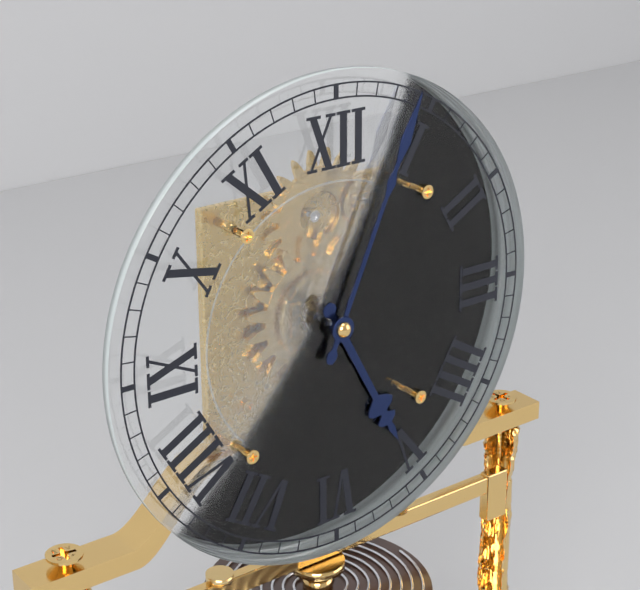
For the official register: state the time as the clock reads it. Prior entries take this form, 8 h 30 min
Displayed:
5 h 04 min
